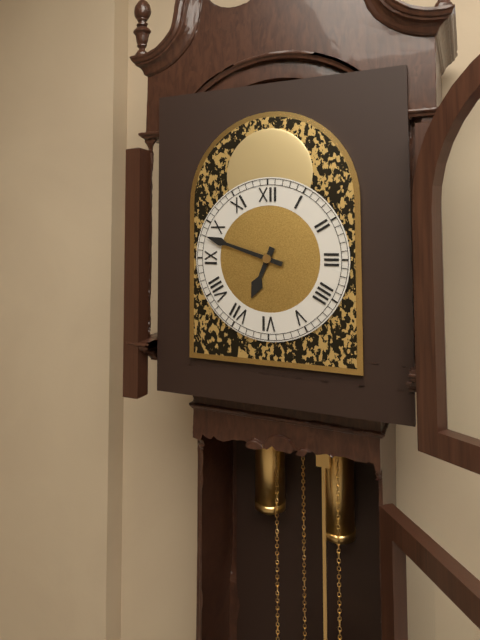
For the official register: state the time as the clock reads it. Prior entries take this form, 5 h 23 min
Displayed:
6 h 48 min
